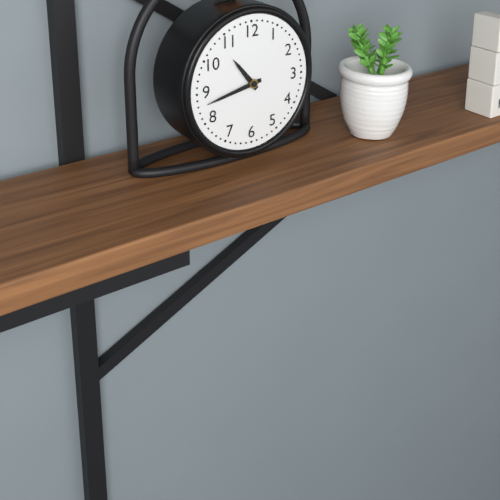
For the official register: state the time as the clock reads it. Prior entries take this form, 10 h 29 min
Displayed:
10 h 43 min
